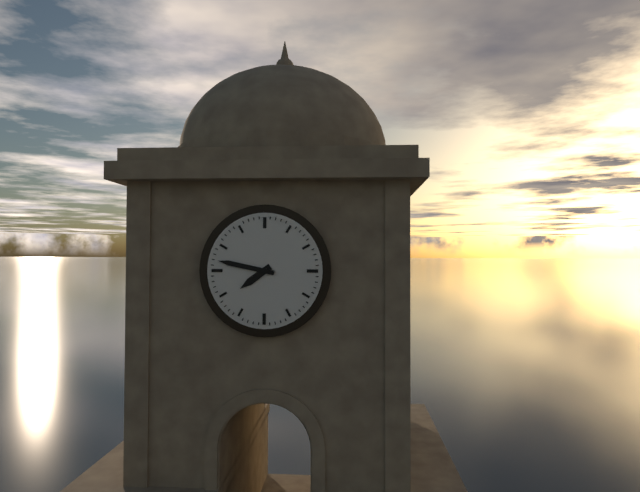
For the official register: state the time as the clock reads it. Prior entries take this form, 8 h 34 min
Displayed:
7 h 47 min
